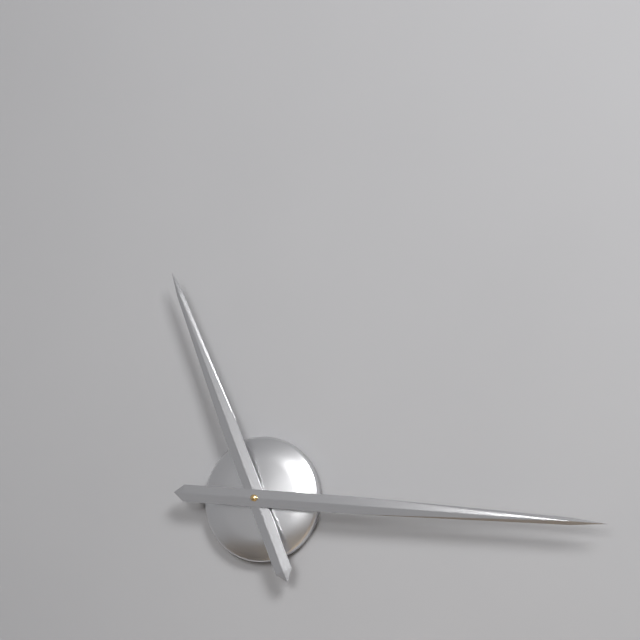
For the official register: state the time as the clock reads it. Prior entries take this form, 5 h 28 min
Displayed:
11 h 16 min
